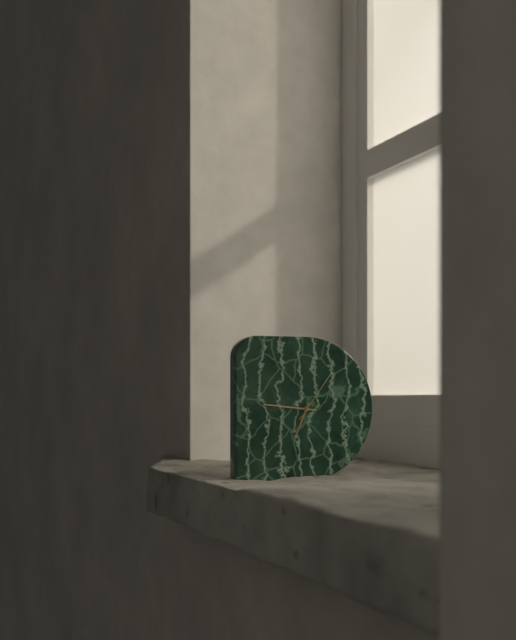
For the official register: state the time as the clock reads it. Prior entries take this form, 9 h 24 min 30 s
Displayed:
6 h 46 min 06 s
